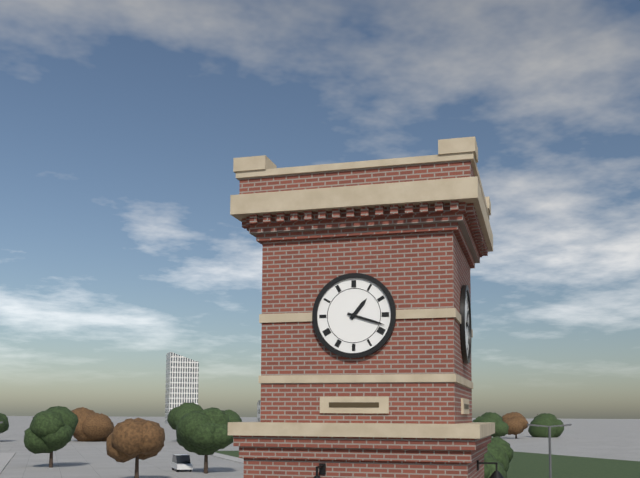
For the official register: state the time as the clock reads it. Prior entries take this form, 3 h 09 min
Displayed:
1 h 18 min
